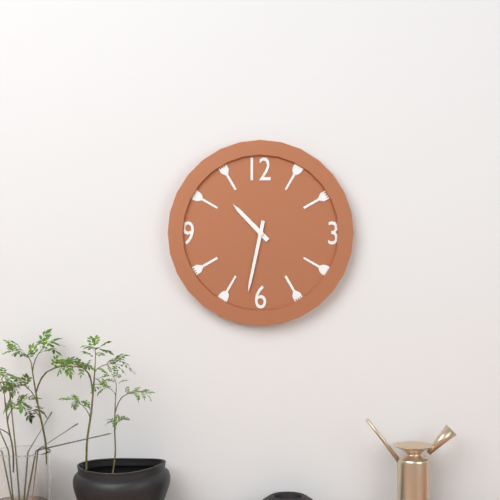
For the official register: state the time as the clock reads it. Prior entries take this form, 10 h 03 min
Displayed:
10 h 32 min
